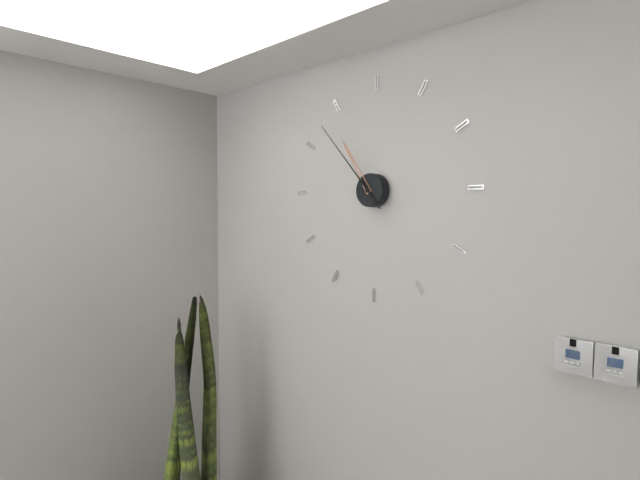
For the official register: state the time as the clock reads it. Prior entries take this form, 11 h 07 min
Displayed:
10 h 53 min
